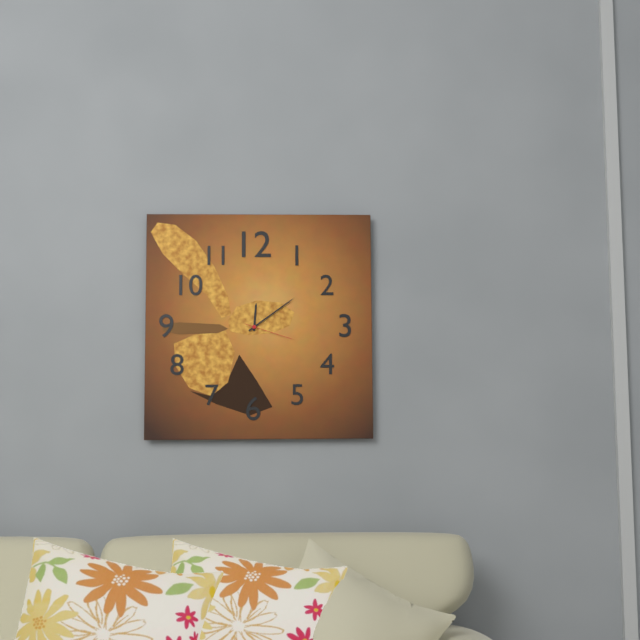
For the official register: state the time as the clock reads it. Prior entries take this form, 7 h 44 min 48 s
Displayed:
12 h 09 min 18 s
